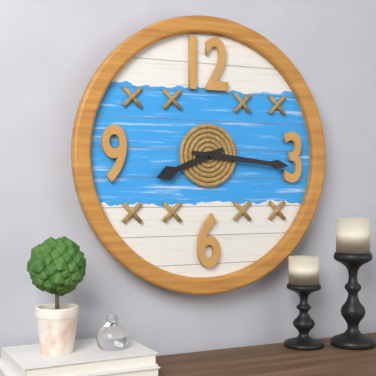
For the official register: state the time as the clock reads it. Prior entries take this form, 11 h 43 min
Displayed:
8 h 16 min
